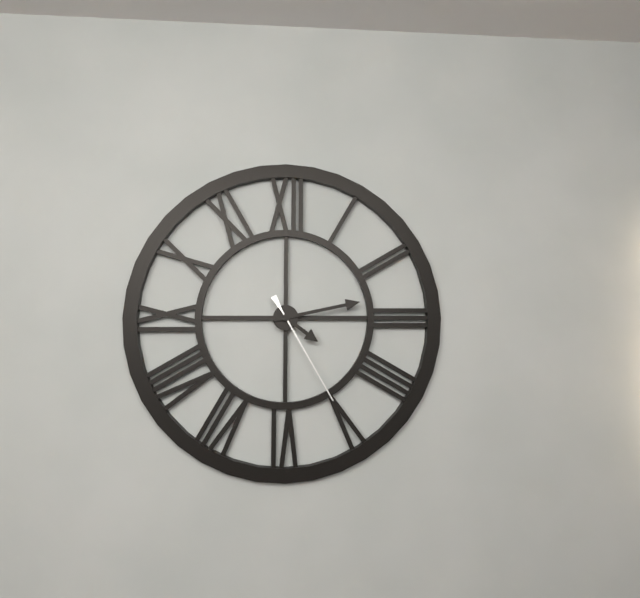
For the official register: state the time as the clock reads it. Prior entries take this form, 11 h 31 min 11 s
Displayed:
4 h 13 min 25 s
